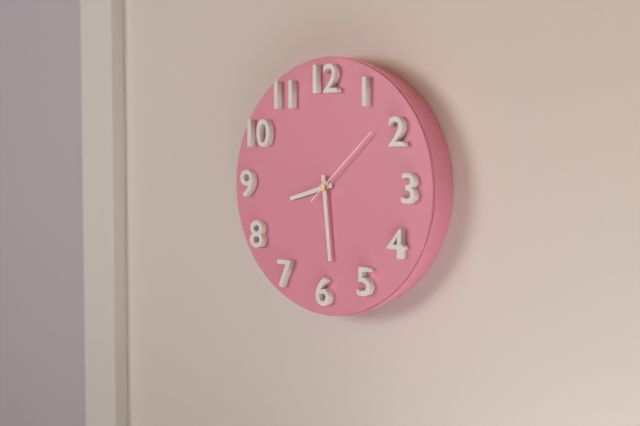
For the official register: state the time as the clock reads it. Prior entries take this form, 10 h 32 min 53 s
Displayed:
8 h 29 min 08 s
